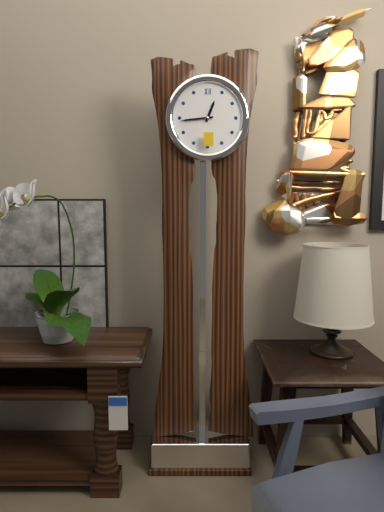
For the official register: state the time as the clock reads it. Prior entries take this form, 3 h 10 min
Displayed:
12 h 44 min
